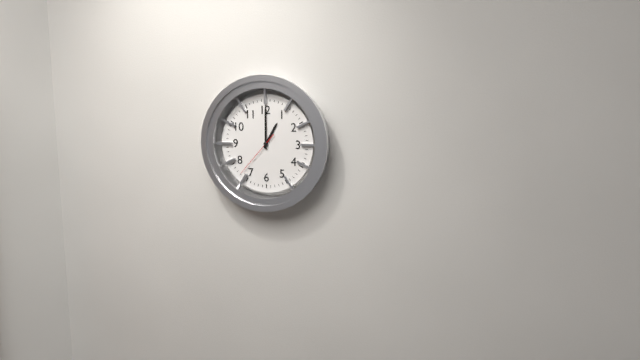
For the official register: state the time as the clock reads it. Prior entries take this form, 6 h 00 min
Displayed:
1 h 00 min
